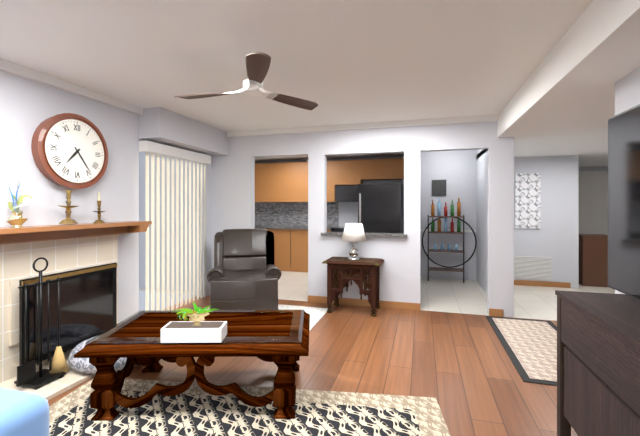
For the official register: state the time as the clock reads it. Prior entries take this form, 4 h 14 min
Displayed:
7 h 24 min
